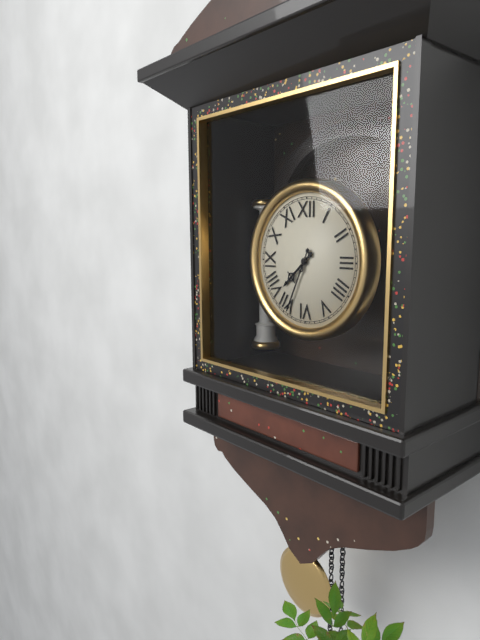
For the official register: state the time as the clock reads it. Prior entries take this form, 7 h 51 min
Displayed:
7 h 34 min
